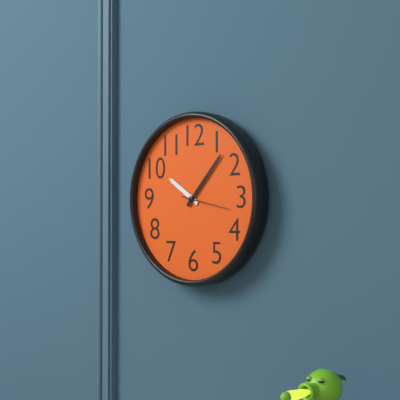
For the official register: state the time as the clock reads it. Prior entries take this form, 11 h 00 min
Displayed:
10 h 07 min
